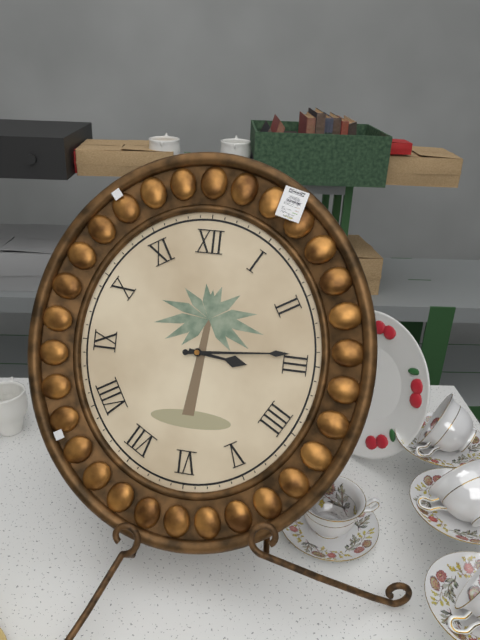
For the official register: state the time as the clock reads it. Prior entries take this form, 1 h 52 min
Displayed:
3 h 14 min
